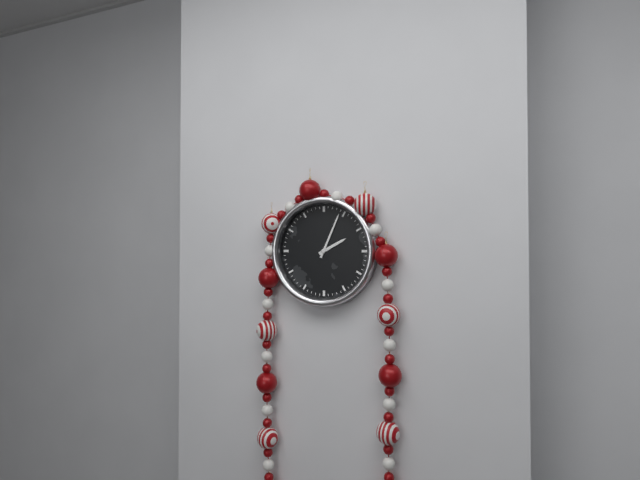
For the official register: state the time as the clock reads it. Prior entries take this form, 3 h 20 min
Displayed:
2 h 04 min
